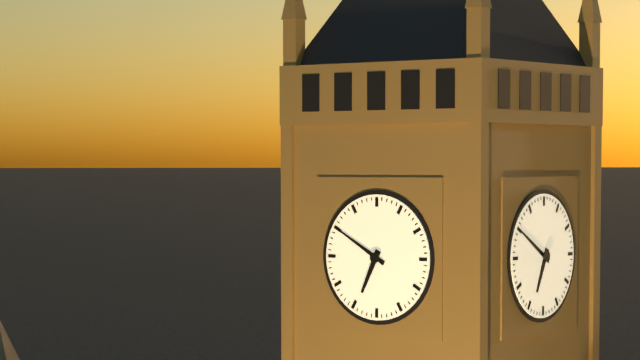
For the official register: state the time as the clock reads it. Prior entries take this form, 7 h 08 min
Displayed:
6 h 50 min
